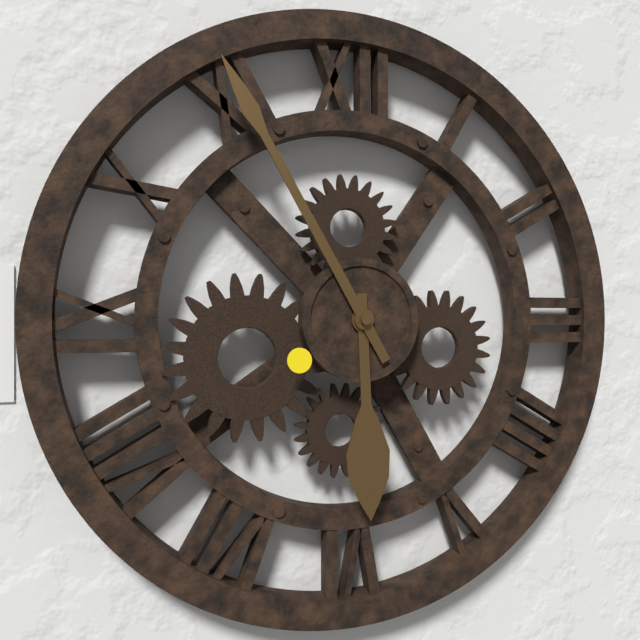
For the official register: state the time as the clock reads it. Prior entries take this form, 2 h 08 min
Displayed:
5 h 55 min
